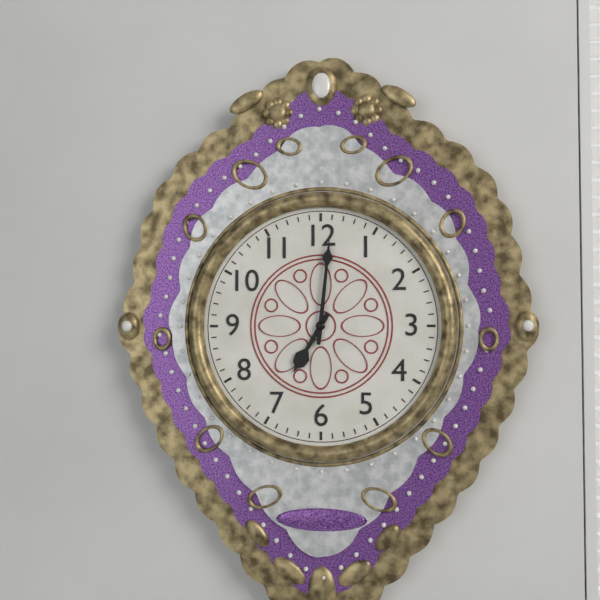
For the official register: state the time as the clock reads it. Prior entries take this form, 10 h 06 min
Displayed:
7 h 01 min
